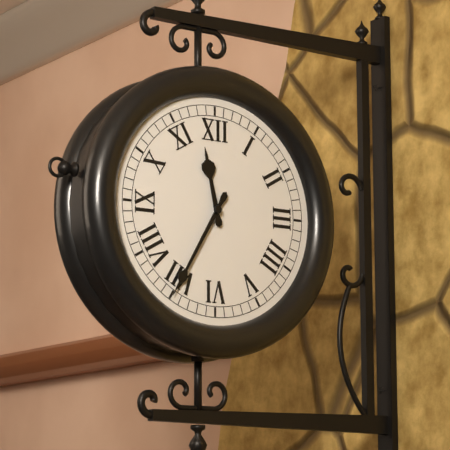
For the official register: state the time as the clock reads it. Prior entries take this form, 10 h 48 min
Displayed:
11 h 35 min
